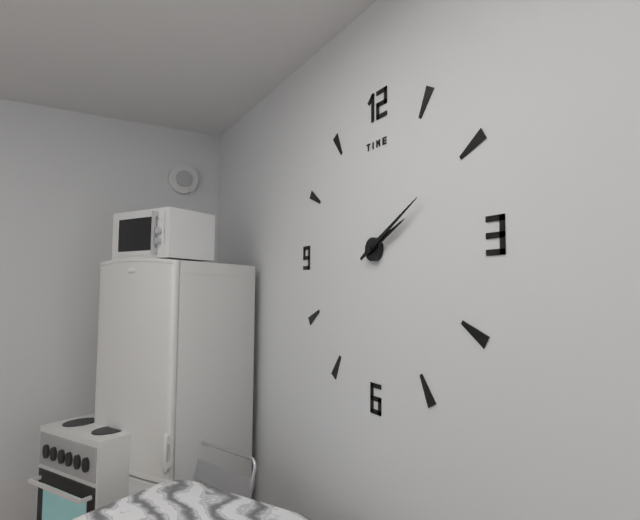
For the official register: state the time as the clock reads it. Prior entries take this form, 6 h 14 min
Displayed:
2 h 10 min
